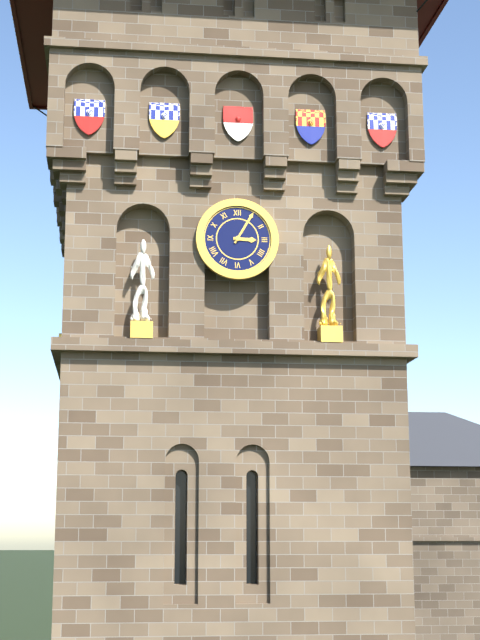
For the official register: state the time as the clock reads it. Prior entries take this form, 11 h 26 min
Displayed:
3 h 05 min
